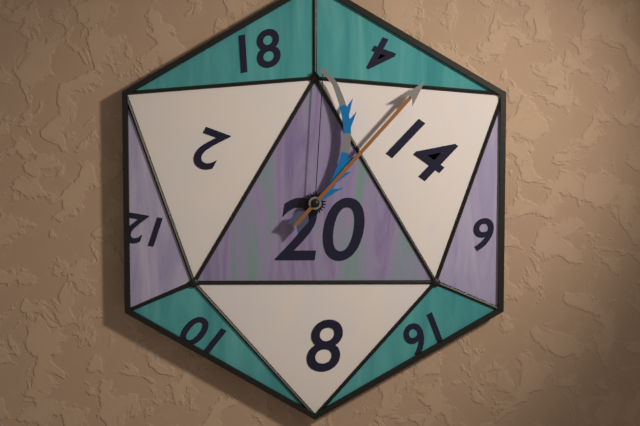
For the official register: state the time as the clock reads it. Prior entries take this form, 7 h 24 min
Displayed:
12 h 07 min
